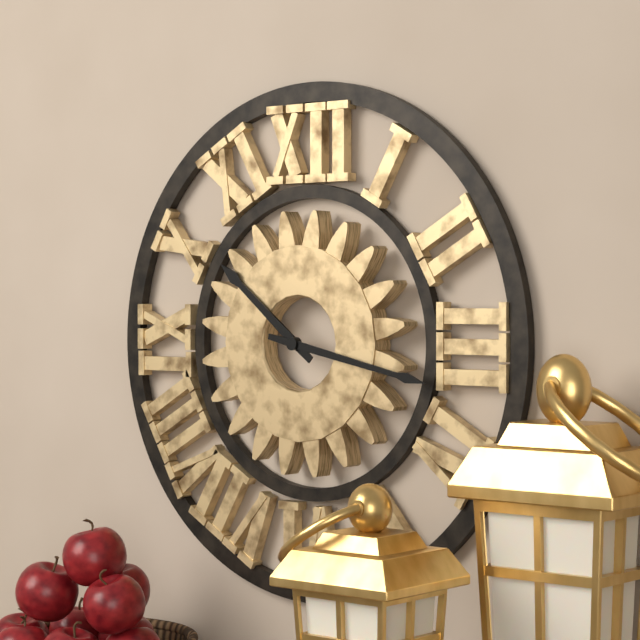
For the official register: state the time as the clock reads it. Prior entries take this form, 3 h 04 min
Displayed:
10 h 17 min
